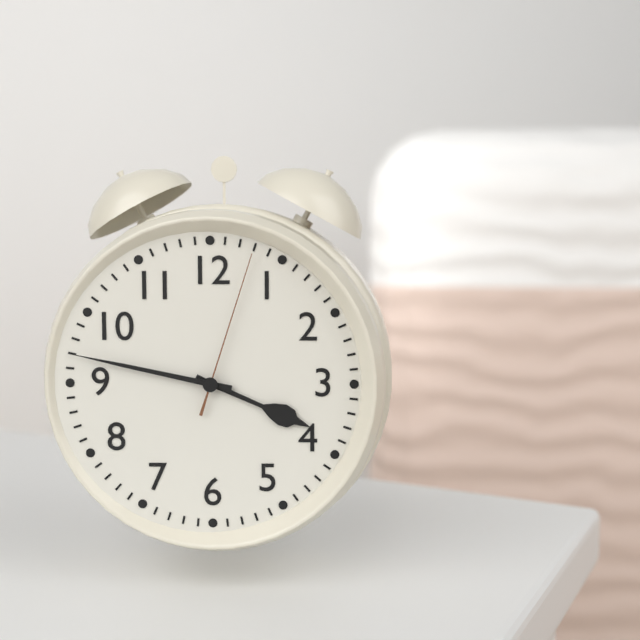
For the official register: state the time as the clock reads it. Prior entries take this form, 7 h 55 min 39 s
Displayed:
3 h 47 min 03 s
